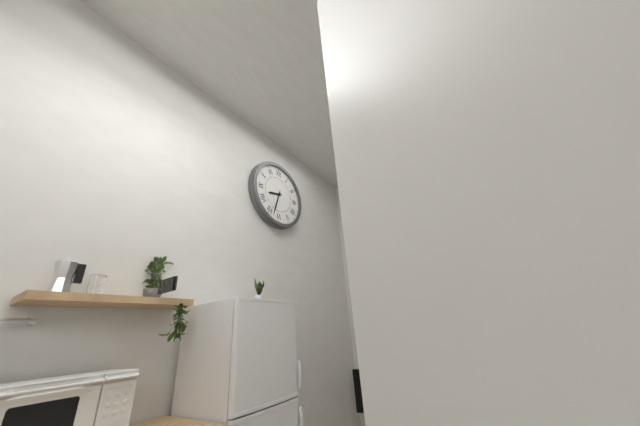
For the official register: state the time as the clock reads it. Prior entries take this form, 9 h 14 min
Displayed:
8 h 33 min
